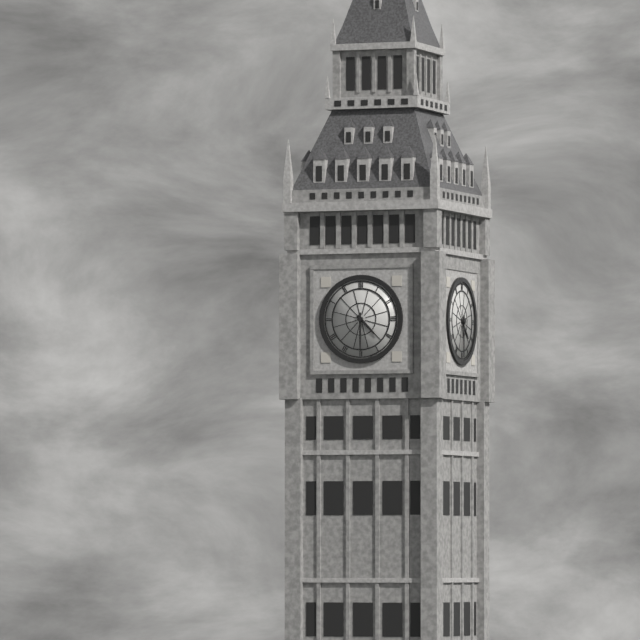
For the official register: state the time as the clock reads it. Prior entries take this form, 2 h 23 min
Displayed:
4 h 30 min
